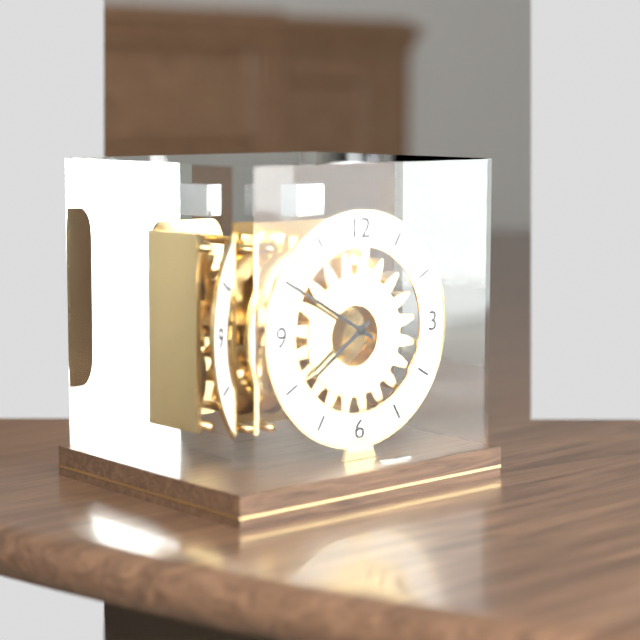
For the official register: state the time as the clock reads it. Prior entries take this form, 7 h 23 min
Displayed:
7 h 50 min
